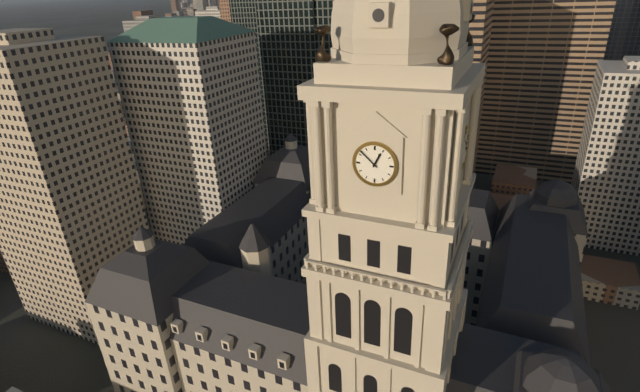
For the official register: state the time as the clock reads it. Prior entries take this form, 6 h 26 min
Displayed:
12 h 52 min
